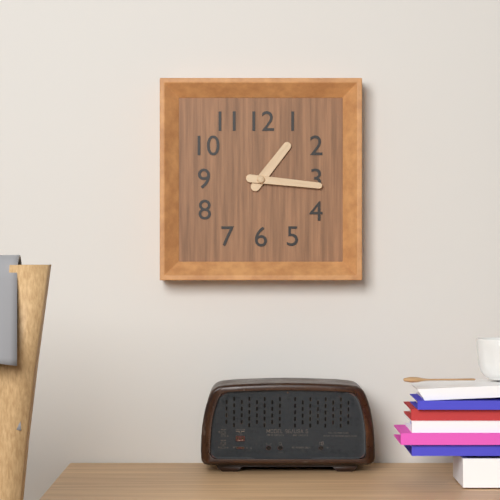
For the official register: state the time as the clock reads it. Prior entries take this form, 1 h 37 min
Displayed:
1 h 16 min
